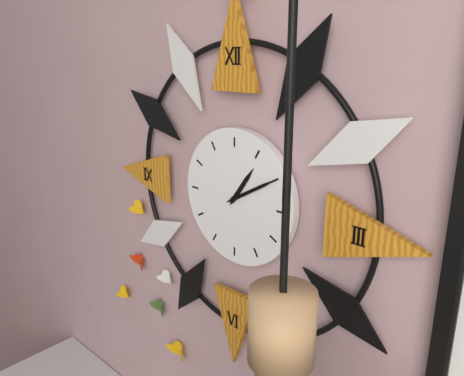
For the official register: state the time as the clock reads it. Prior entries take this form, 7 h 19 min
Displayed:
1 h 10 min
